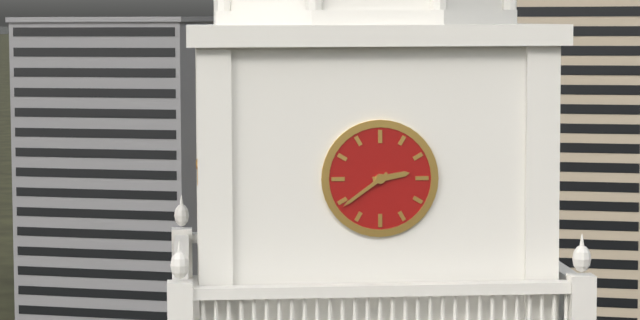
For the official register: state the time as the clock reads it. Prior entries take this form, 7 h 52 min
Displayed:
2 h 39 min
